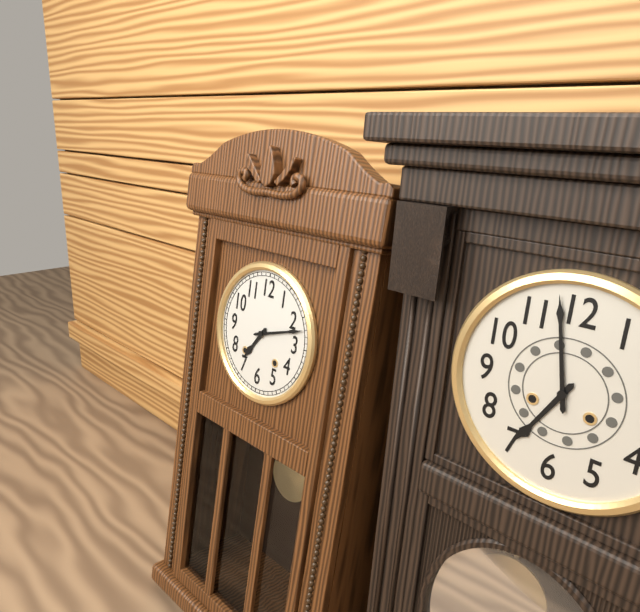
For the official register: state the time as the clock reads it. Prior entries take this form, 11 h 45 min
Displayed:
7 h 12 min
